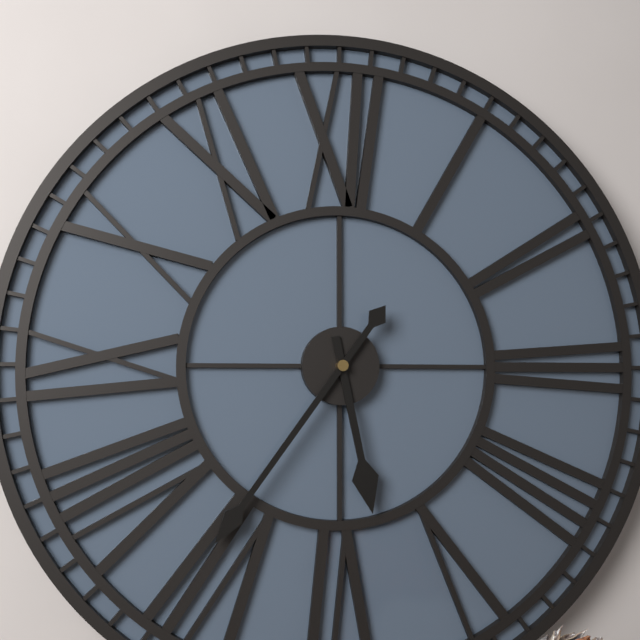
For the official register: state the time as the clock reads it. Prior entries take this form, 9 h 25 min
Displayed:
5 h 36 min
